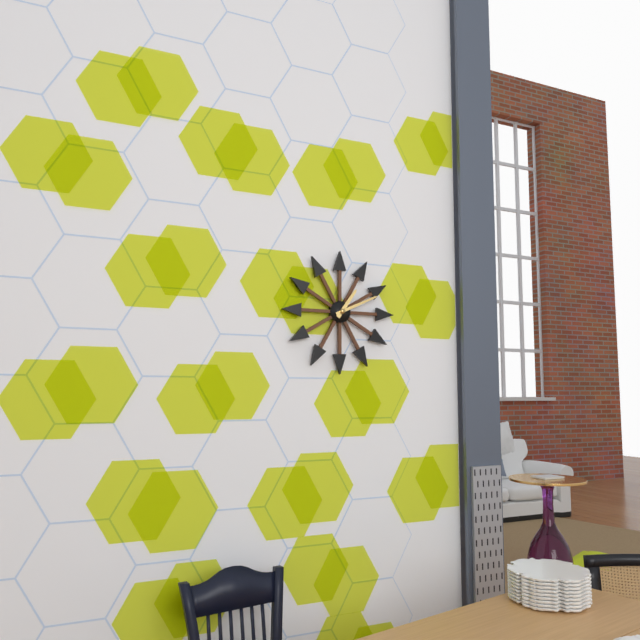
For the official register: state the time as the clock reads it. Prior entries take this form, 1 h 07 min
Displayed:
1 h 11 min
